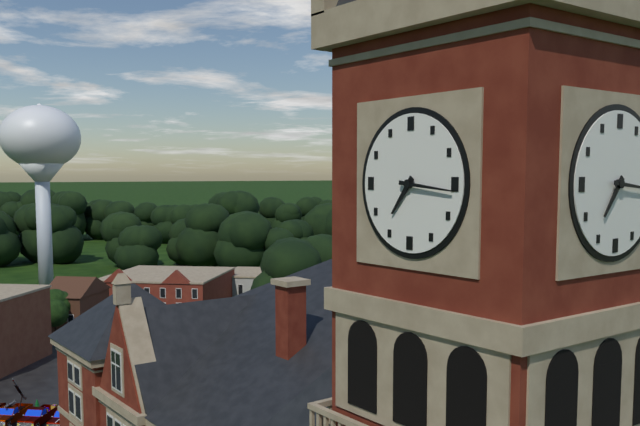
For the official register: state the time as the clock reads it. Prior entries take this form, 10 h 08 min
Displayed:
7 h 16 min
